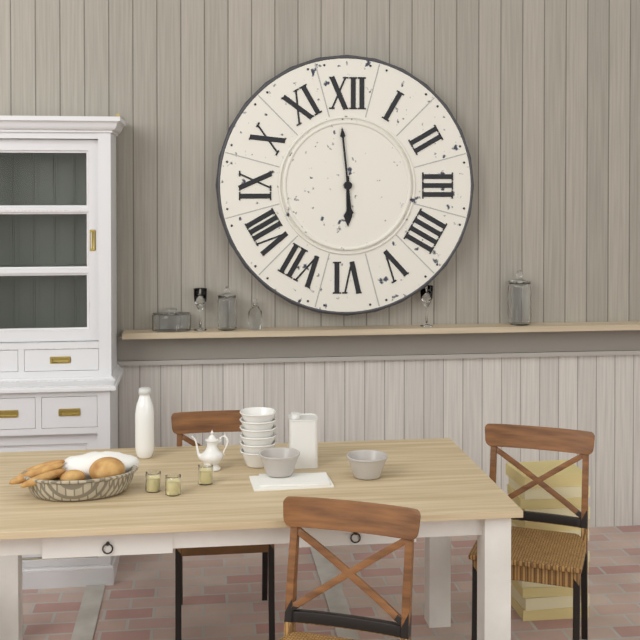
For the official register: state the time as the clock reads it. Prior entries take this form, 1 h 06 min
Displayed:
5 h 59 min
